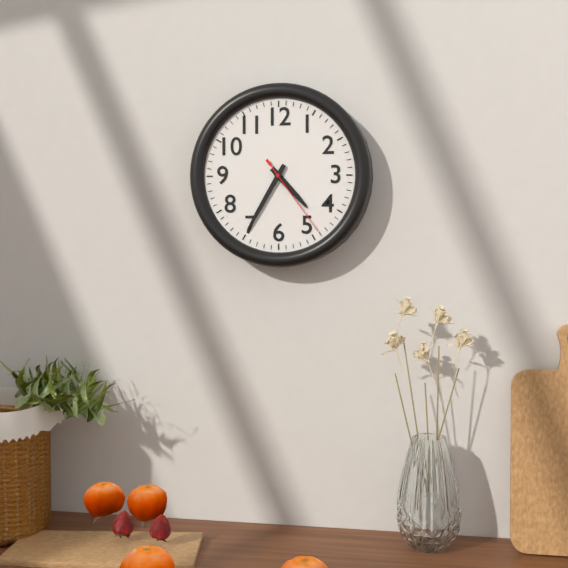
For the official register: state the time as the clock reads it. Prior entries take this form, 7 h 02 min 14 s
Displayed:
4 h 35 min 24 s
